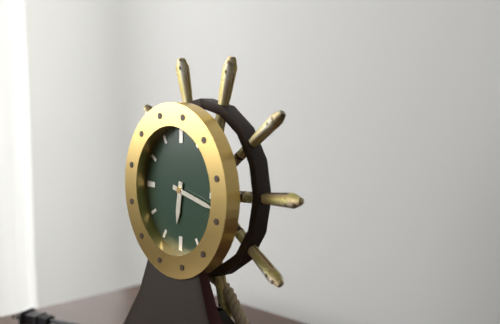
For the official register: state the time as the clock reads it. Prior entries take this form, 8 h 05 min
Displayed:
6 h 17 min
